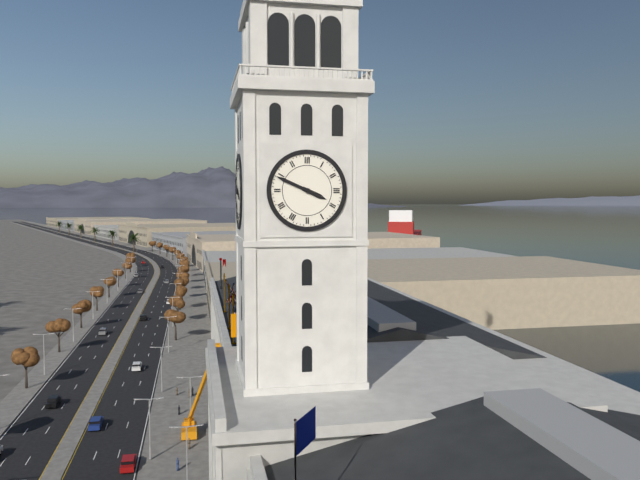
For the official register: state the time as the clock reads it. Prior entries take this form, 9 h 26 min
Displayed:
3 h 49 min
